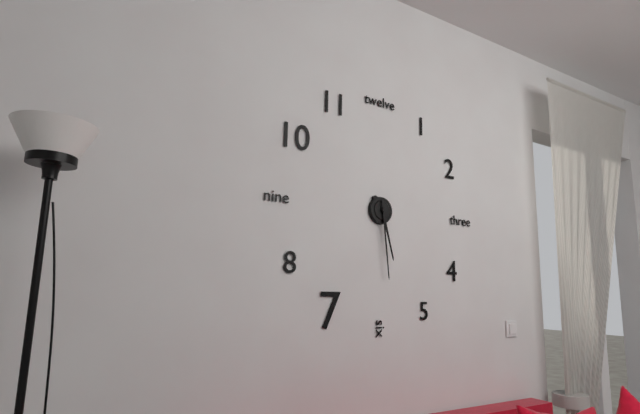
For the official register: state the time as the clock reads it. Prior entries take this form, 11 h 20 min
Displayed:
5 h 29 min
